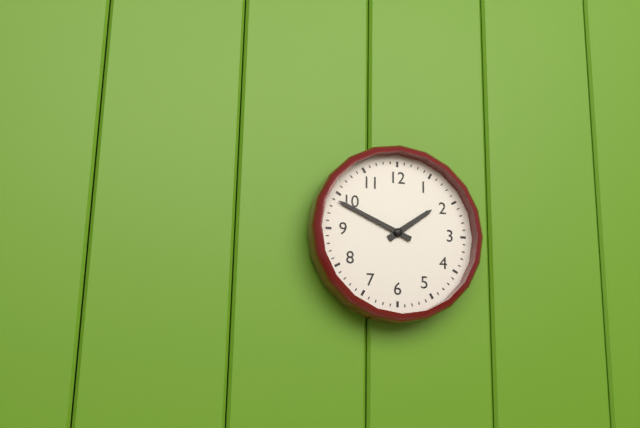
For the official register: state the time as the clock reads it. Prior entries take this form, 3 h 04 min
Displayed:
1 h 49 min
